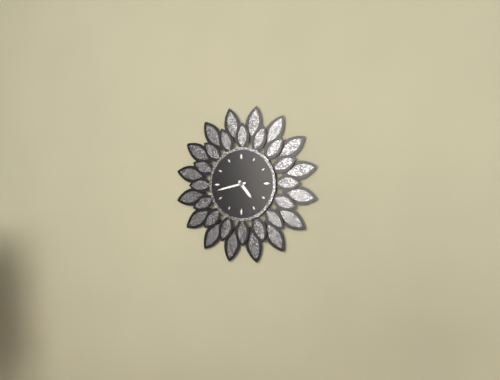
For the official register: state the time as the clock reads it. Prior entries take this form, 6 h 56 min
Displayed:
4 h 43 min
